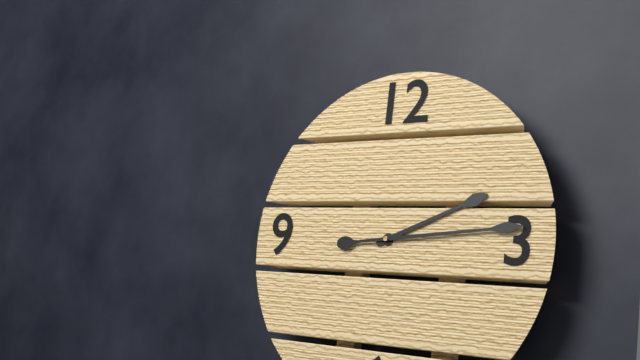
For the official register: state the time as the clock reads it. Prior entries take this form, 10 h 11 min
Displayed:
2 h 14 min
